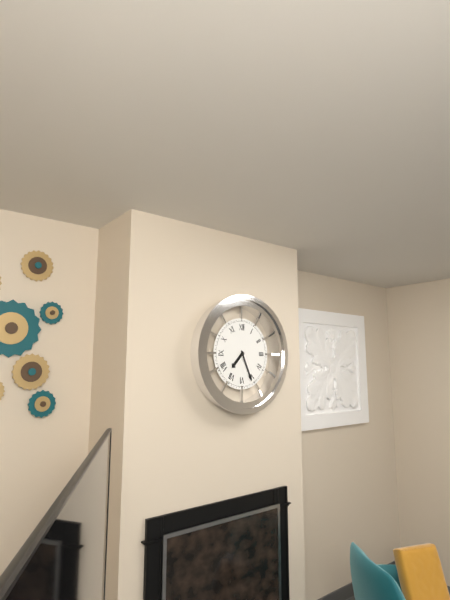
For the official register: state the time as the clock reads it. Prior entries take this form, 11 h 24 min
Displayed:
7 h 26 min
